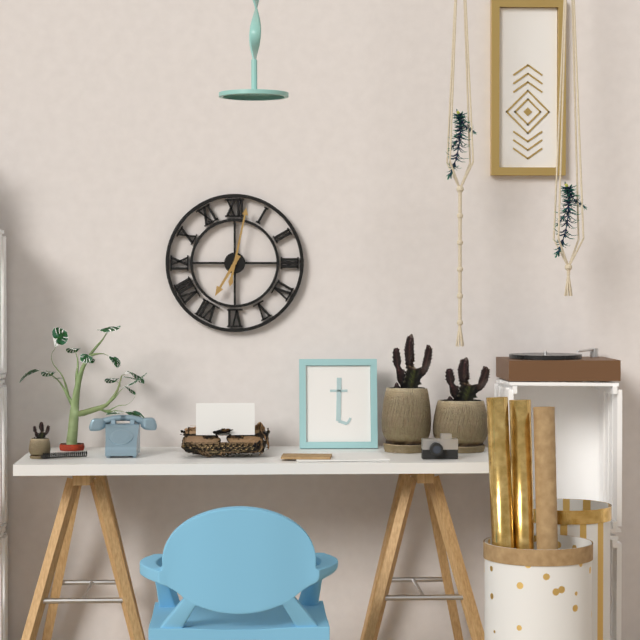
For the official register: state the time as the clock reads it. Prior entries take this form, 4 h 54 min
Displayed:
7 h 02 min
